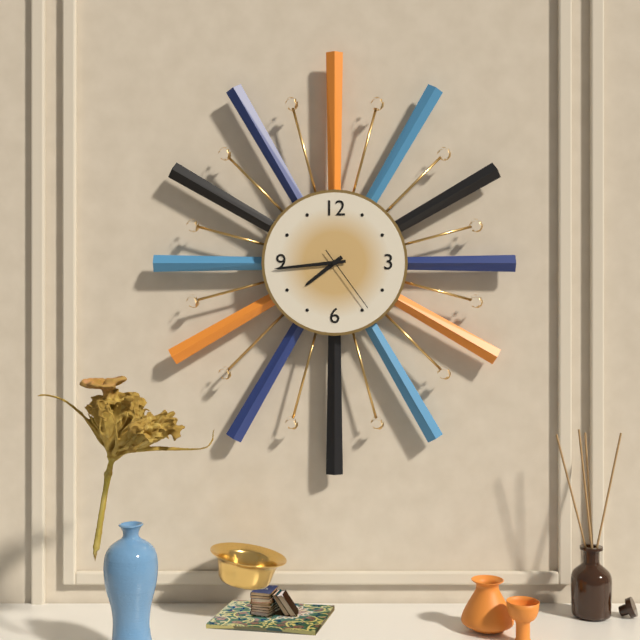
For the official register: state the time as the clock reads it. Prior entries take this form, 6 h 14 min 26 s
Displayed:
7 h 44 min 24 s
